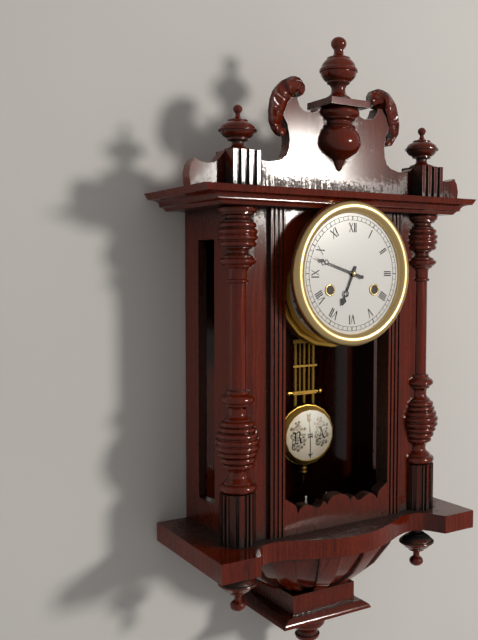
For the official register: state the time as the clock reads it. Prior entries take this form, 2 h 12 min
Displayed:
6 h 48 min
